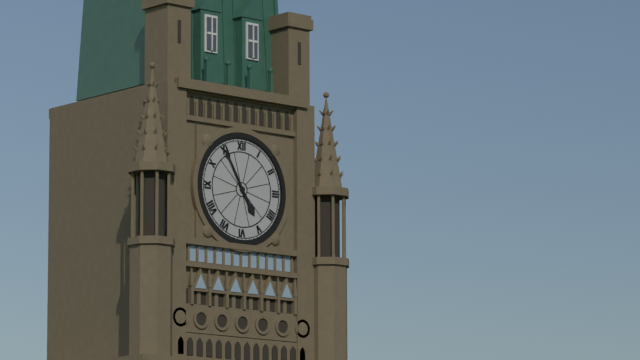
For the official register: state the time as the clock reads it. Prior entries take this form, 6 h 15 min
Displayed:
4 h 55 min
